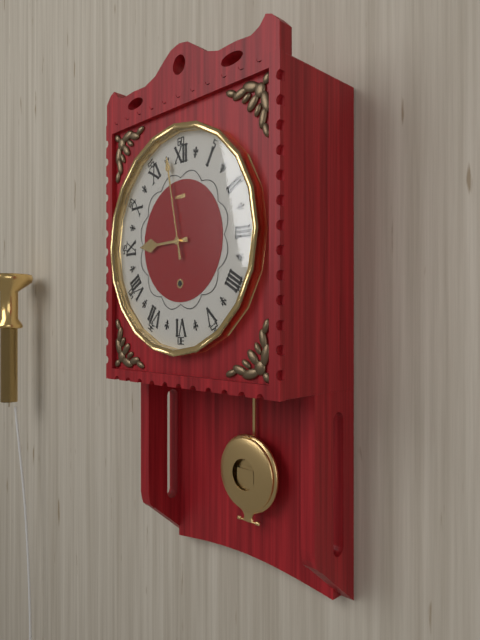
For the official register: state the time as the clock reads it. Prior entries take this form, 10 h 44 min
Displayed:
8 h 58 min
